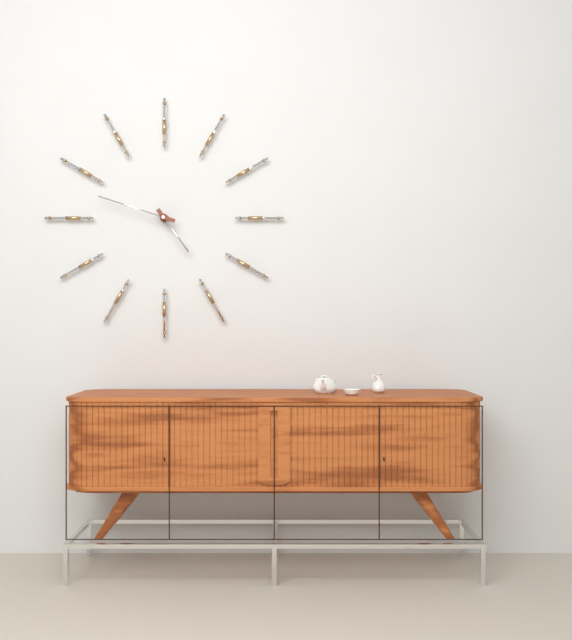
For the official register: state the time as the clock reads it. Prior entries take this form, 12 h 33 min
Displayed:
4 h 48 min
